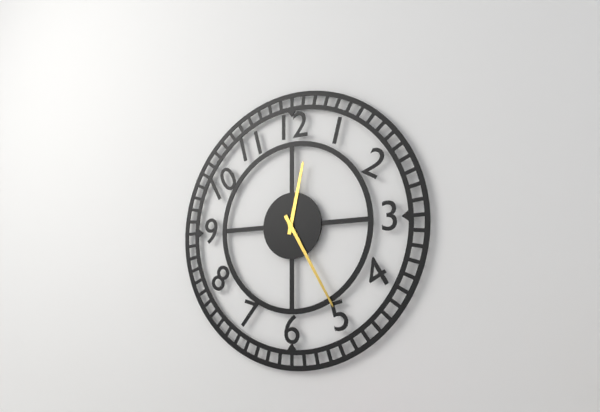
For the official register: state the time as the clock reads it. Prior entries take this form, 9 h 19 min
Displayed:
12 h 25 min
